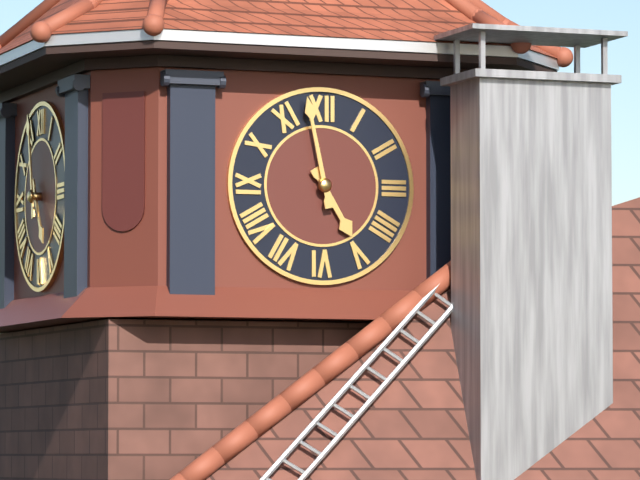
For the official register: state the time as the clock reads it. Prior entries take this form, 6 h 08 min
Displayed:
4 h 58 min
